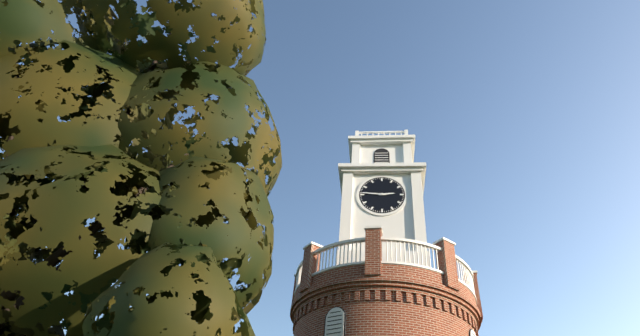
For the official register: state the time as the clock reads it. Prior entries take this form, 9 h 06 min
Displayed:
2 h 46 min
